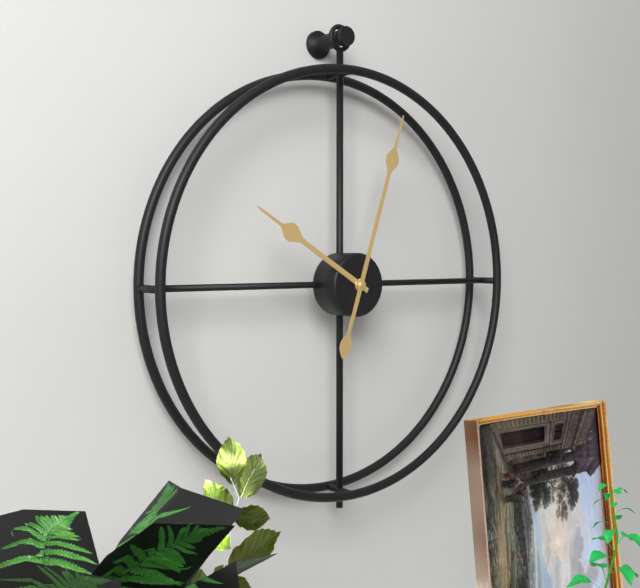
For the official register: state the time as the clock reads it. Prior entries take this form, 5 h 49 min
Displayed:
10 h 03 min
